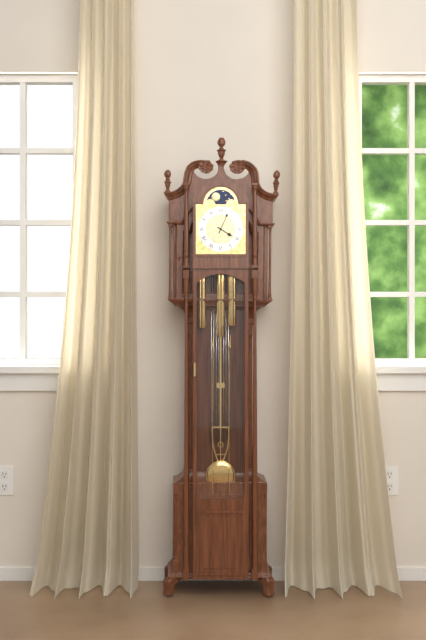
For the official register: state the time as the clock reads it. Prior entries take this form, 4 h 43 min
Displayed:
4 h 04 min
